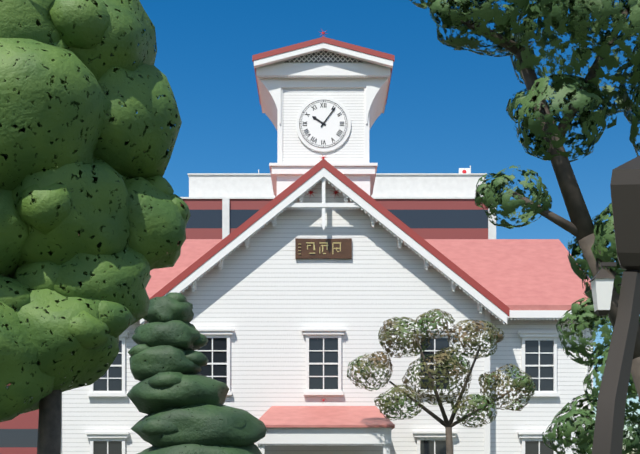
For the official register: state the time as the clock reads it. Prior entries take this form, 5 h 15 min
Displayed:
10 h 06 min
